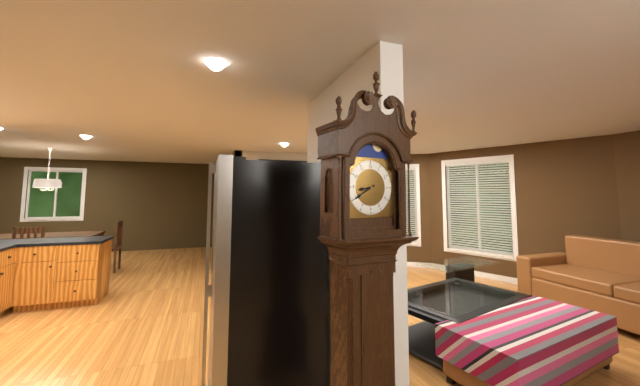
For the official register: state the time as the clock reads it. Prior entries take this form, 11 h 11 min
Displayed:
8 h 40 min
